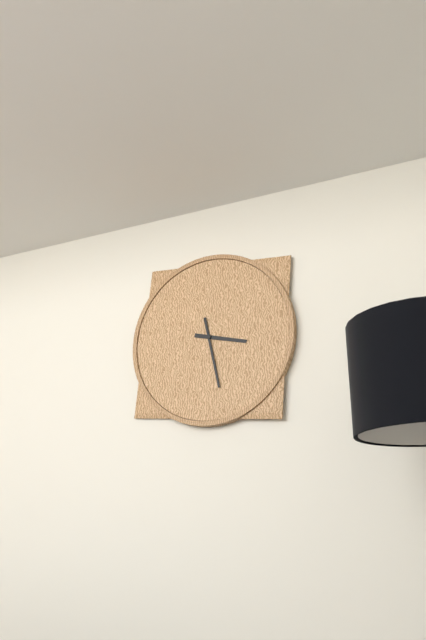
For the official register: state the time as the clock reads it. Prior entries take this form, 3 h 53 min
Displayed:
3 h 28 min
